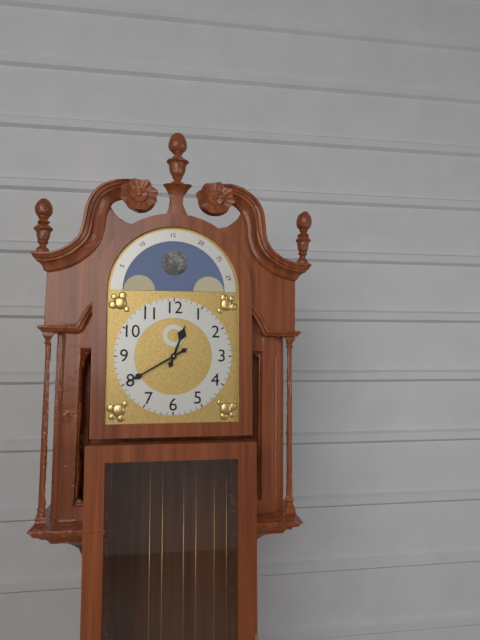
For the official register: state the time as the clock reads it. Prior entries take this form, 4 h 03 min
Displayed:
12 h 40 min
